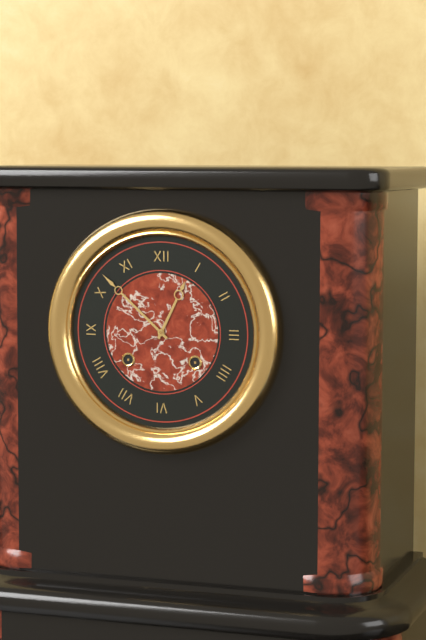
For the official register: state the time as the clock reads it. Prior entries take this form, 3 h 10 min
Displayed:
12 h 52 min
